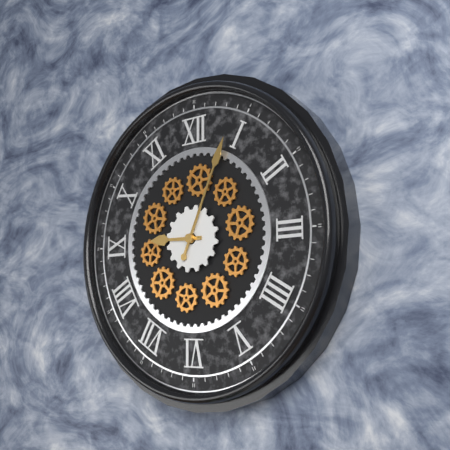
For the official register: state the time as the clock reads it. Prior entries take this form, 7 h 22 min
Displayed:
9 h 04 min
